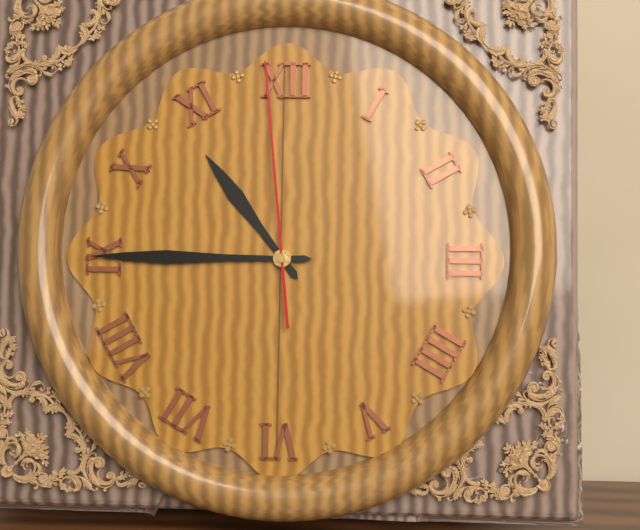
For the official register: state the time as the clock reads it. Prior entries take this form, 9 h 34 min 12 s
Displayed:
10 h 45 min 59 s
